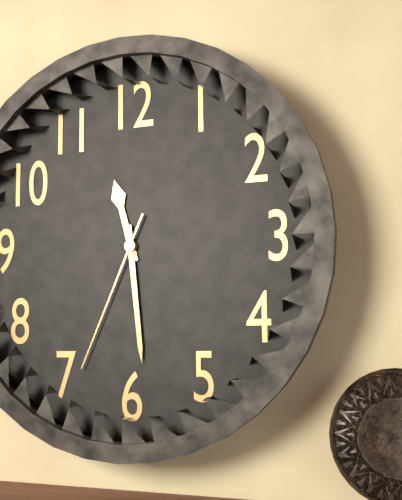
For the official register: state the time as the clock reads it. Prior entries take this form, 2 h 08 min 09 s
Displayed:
11 h 29 min 34 s
